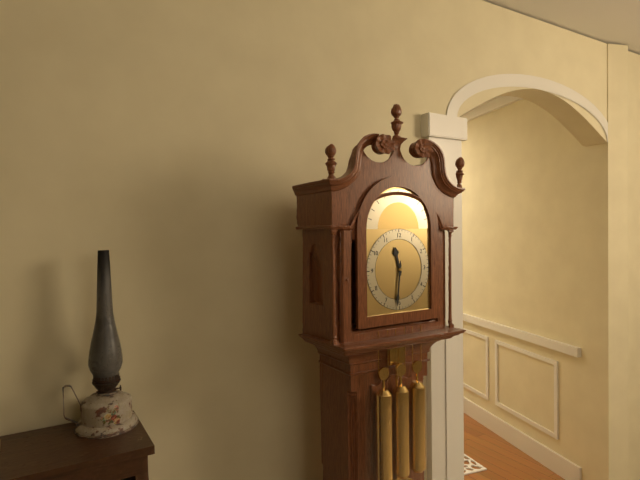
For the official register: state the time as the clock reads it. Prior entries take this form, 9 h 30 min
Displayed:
11 h 31 min
